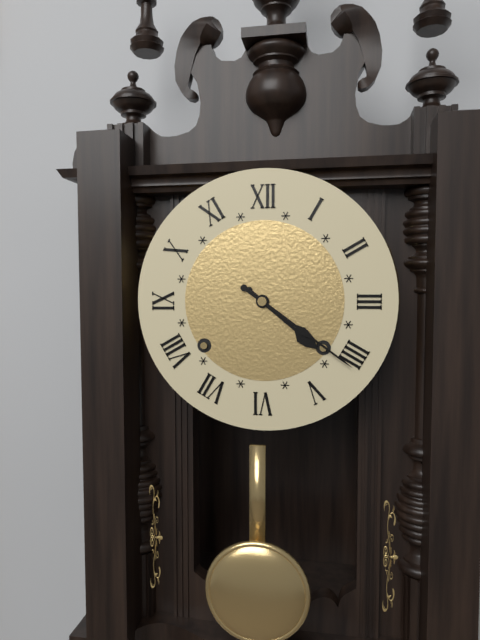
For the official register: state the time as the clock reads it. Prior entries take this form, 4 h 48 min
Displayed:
4 h 21 min
